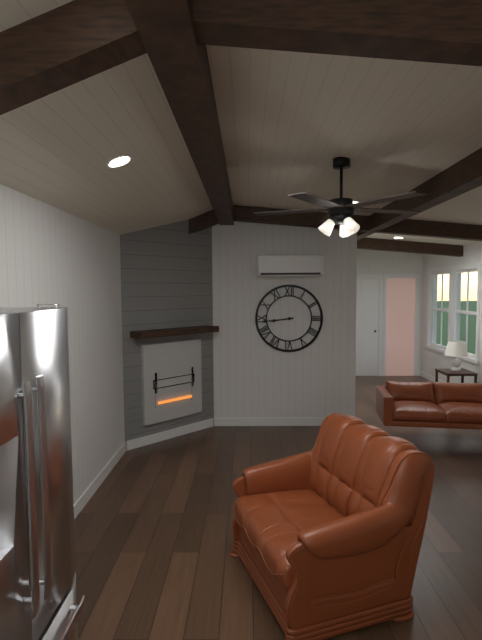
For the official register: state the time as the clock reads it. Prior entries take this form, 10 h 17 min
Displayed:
8 h 44 min
